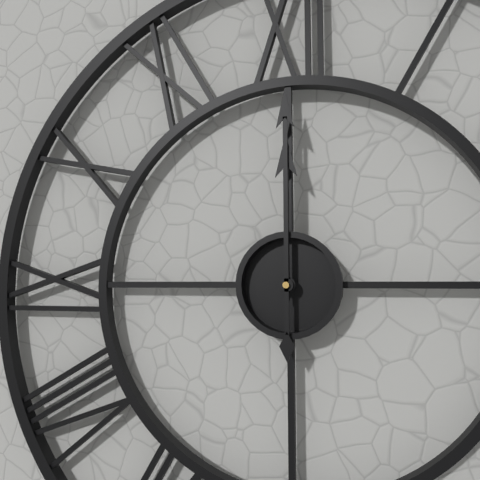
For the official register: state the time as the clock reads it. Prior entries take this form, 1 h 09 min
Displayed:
12 h 00 min
